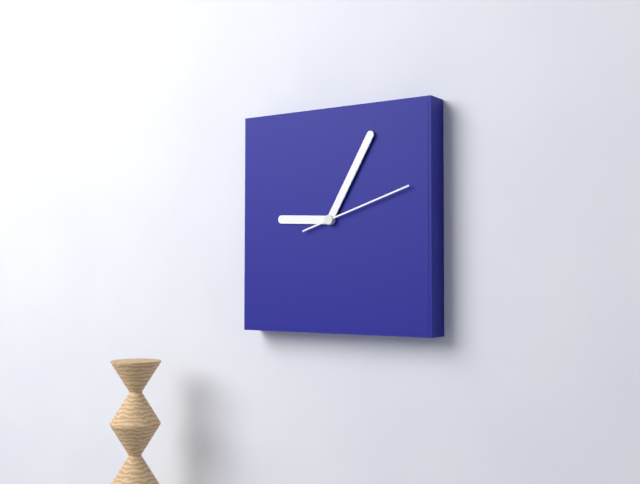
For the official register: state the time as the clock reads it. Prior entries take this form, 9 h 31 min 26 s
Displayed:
9 h 05 min 12 s
